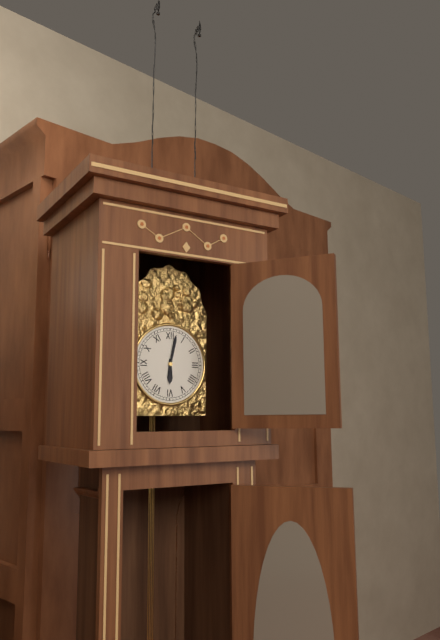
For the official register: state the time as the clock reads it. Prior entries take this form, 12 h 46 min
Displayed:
6 h 02 min
